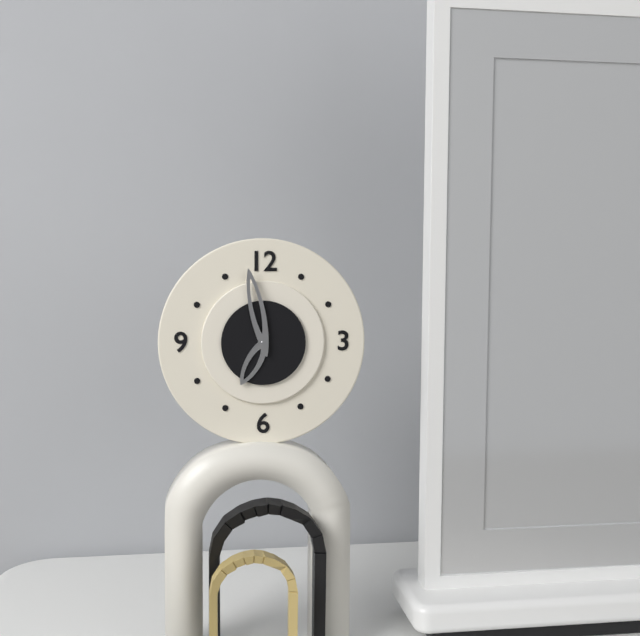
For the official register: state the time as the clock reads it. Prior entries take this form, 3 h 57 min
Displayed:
6 h 58 min
